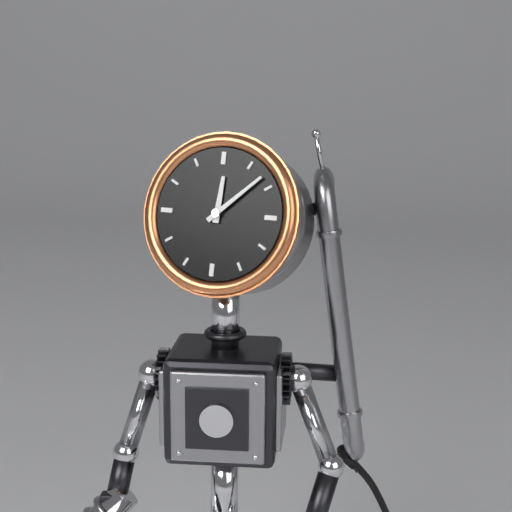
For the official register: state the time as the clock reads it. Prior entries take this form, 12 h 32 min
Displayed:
12 h 08 min
